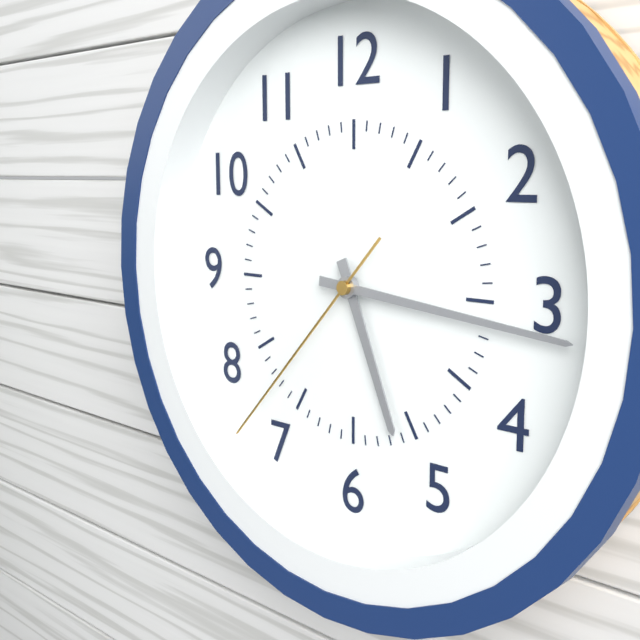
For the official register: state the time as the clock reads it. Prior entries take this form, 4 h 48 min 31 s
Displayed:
5 h 16 min 37 s
